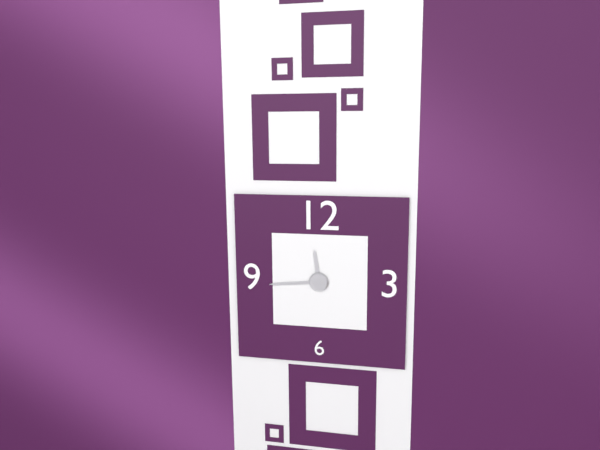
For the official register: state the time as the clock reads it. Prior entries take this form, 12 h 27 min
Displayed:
11 h 44 min
